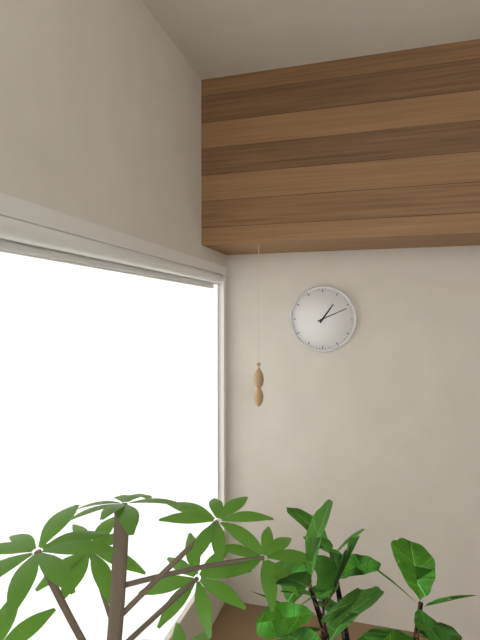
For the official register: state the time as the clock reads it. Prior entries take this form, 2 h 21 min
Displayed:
1 h 11 min
